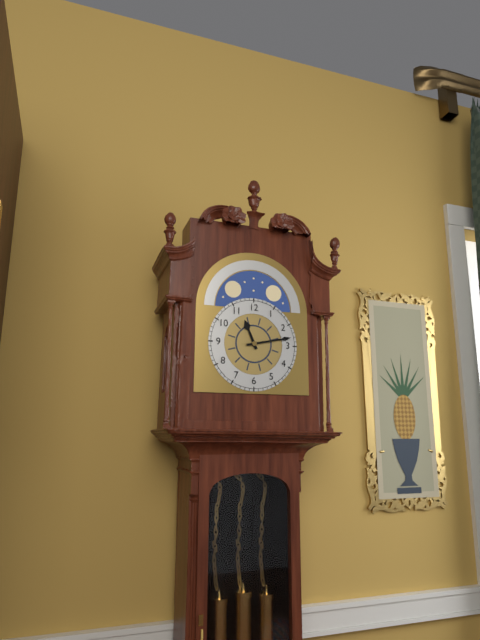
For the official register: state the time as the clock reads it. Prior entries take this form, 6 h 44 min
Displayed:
11 h 13 min
